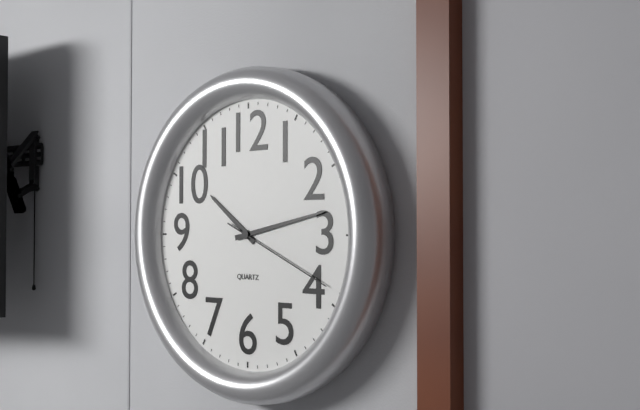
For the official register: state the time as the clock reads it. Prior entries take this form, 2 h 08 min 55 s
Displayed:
10 h 13 min 19 s
